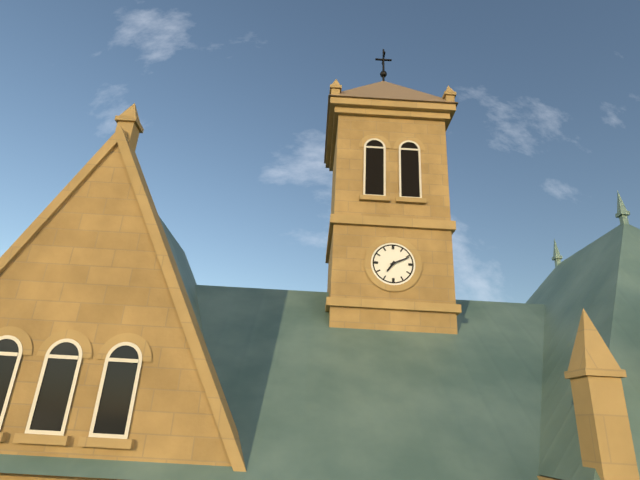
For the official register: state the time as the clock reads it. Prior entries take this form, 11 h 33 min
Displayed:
7 h 11 min
